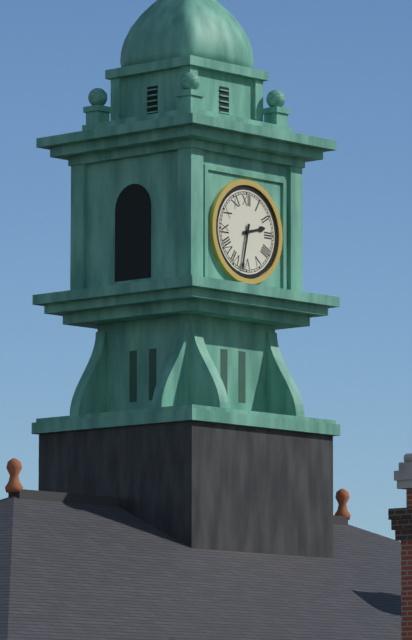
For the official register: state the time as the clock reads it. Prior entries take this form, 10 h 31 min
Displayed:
2 h 32 min
